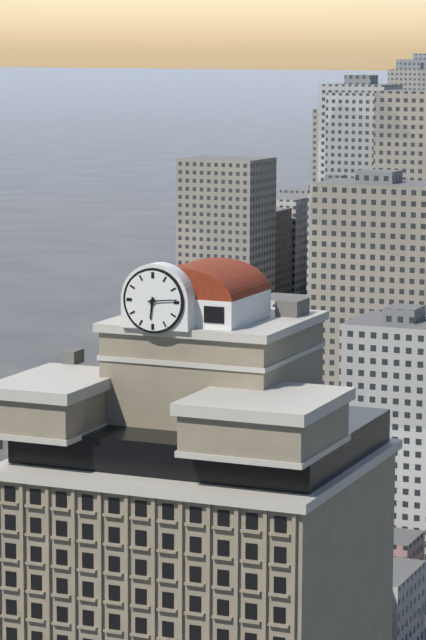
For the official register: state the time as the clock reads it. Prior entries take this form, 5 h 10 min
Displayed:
6 h 14 min
